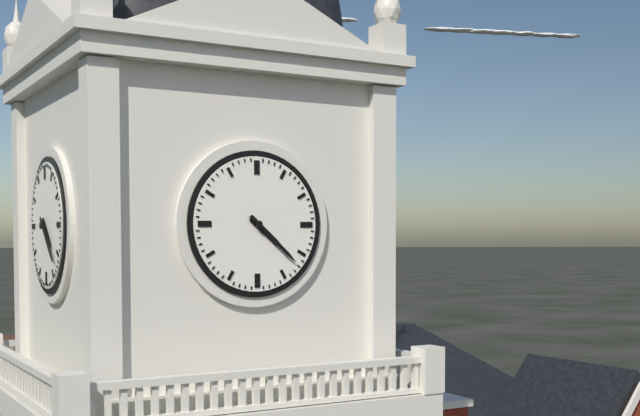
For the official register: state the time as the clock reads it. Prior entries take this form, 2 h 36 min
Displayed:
4 h 22 min
